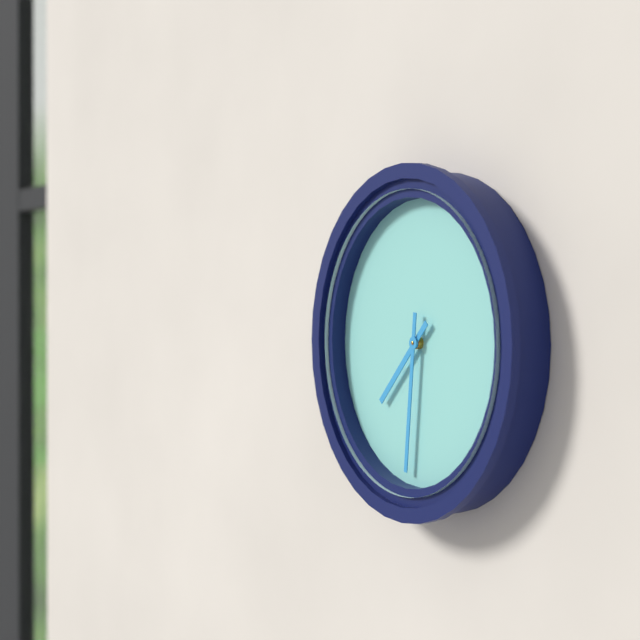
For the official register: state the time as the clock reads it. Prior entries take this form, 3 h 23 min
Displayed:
7 h 31 min
